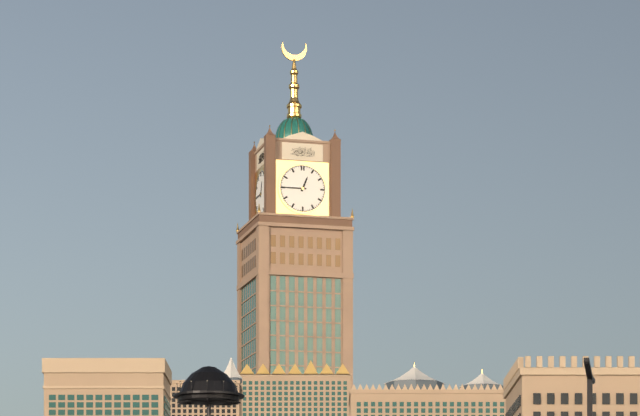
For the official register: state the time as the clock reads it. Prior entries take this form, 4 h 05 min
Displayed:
12 h 45 min
